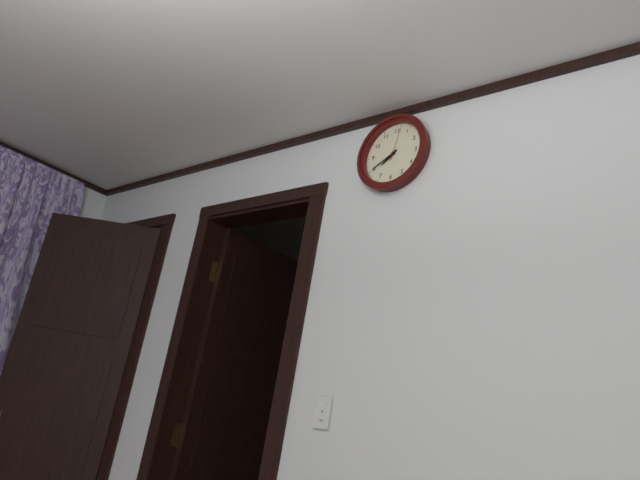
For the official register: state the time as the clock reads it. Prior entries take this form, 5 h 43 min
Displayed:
7 h 40 min
